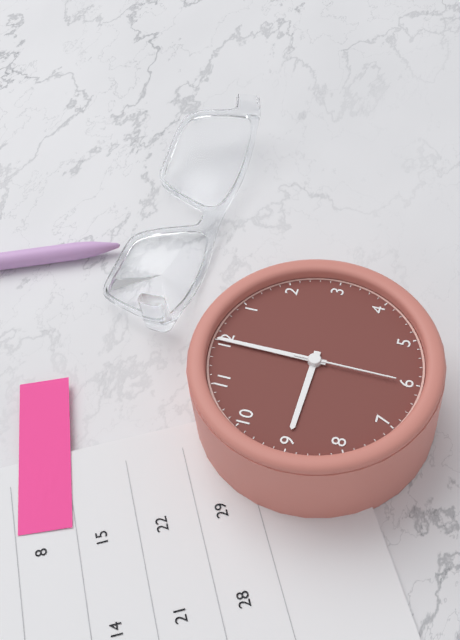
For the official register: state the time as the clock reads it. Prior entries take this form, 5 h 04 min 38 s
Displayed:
9 h 00 min 30 s
